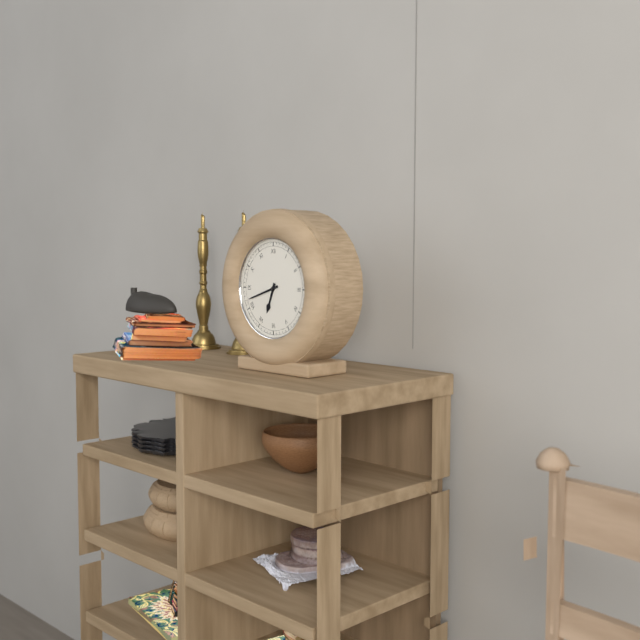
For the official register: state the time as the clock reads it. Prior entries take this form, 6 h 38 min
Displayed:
6 h 42 min
